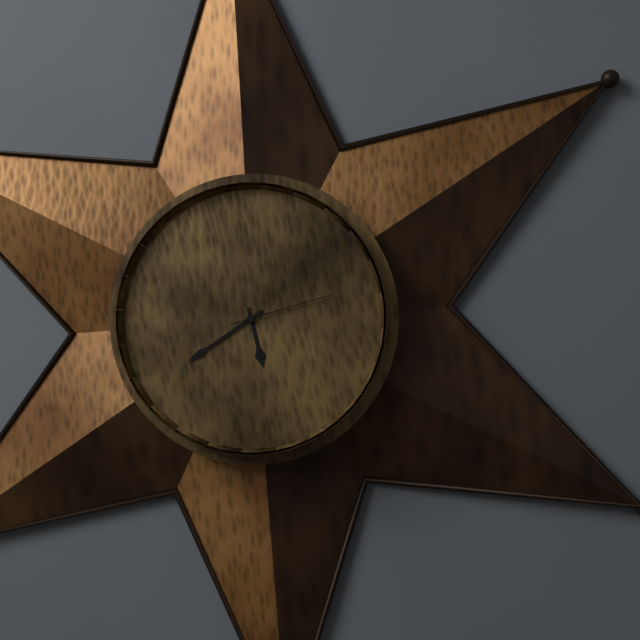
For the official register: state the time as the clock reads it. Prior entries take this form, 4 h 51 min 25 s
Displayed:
5 h 40 min 13 s
